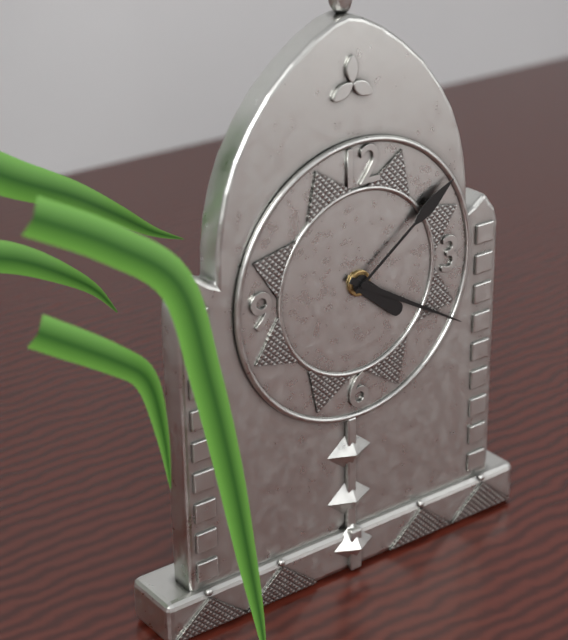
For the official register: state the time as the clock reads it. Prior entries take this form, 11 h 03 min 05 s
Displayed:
4 h 20 min 09 s
